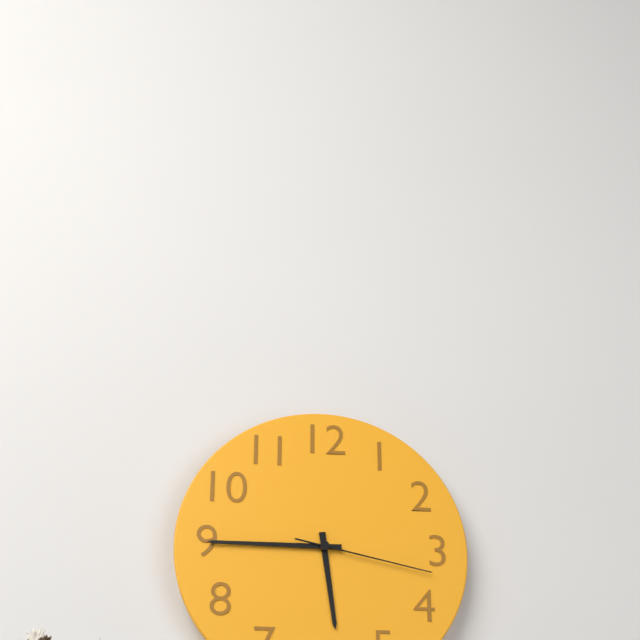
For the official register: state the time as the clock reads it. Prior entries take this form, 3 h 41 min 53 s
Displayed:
5 h 45 min 17 s
